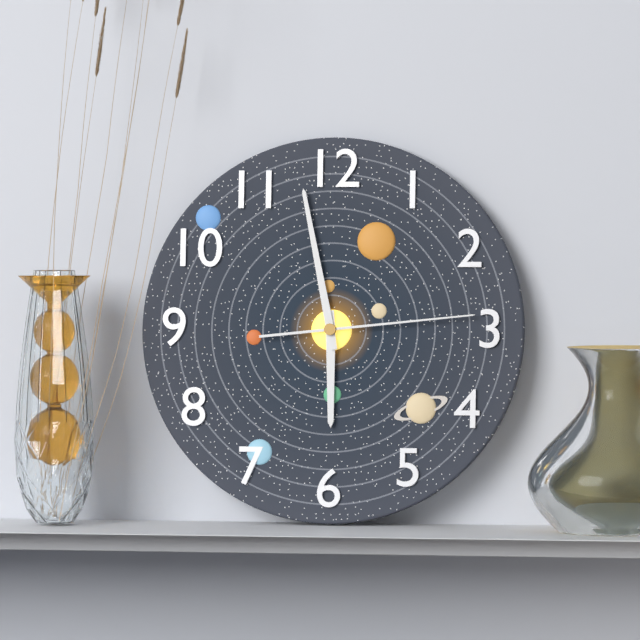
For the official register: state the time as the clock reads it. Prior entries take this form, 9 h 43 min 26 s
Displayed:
5 h 58 min 14 s
